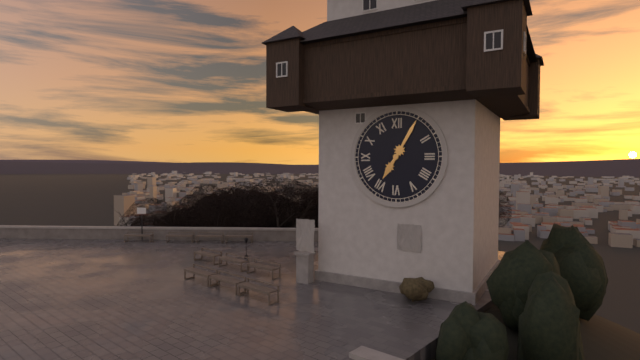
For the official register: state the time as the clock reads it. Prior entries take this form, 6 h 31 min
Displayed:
7 h 05 min
